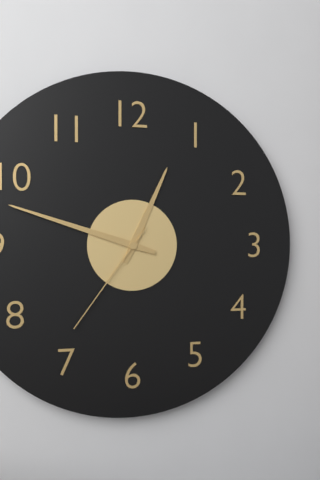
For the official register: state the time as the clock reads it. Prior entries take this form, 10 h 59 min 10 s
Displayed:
12 h 48 min 36 s
